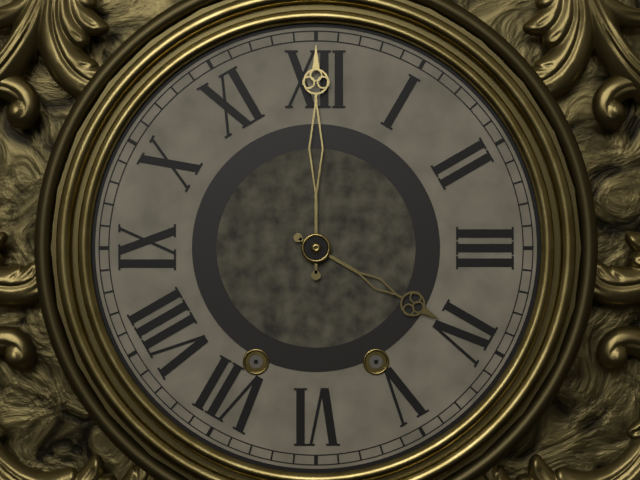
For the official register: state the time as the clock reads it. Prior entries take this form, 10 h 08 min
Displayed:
4 h 00 min
